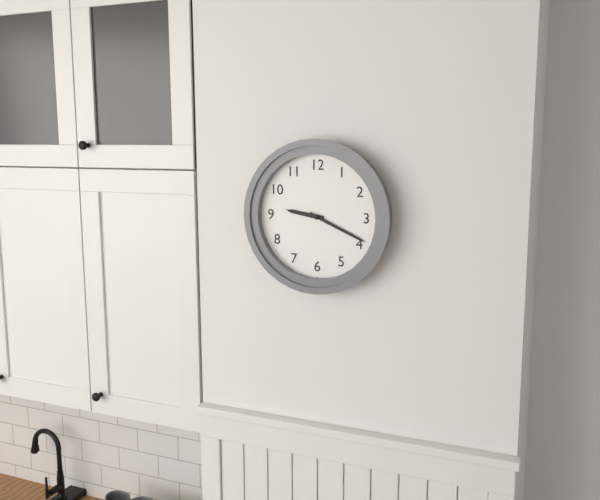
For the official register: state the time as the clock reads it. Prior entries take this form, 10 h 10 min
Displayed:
9 h 19 min
